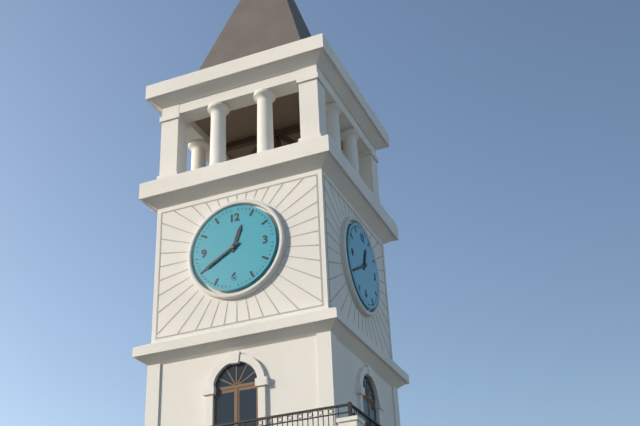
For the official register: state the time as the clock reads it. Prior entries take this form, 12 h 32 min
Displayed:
12 h 40 min
